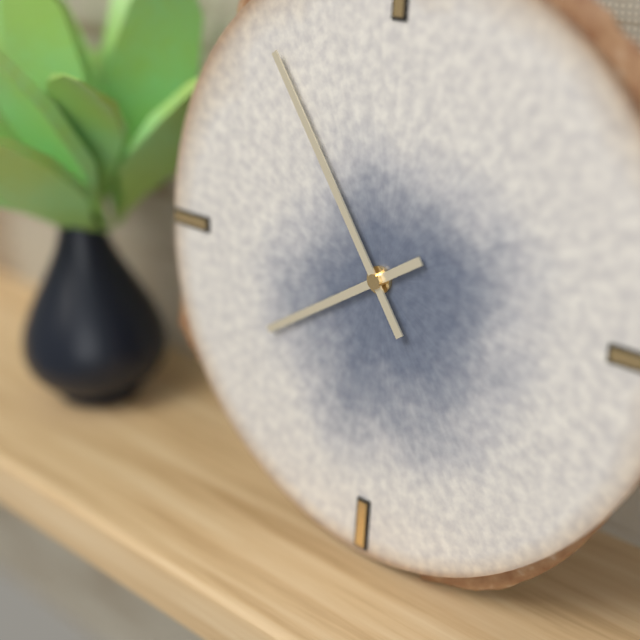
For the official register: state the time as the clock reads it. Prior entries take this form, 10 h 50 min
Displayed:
7 h 54 min
